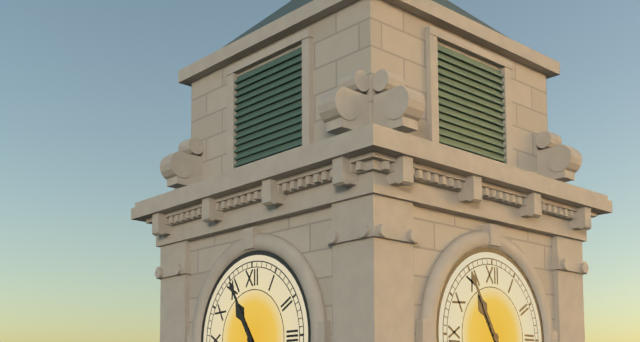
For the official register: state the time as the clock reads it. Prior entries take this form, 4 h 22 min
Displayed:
10 h 55 min
